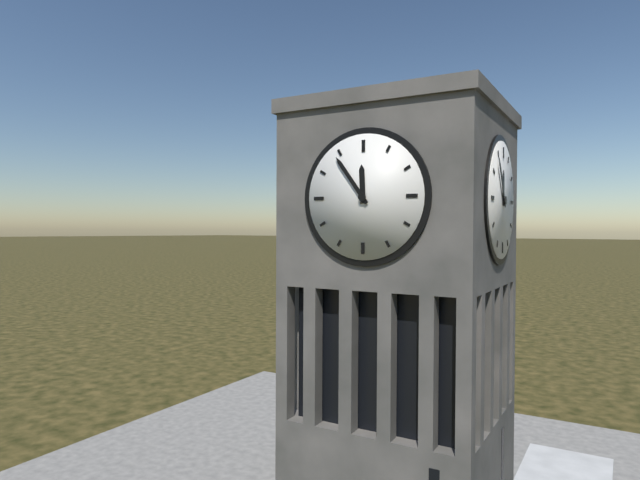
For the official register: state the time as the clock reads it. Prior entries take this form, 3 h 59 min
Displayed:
11 h 54 min
